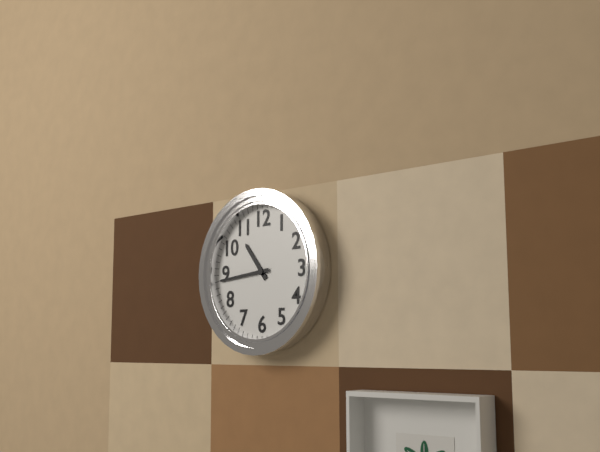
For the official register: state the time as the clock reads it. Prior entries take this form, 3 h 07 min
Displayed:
10 h 44 min
